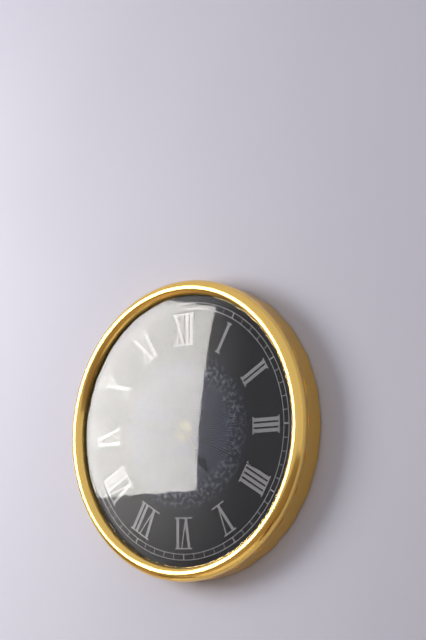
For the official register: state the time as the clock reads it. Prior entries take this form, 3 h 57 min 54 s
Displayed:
4 h 47 min 19 s
